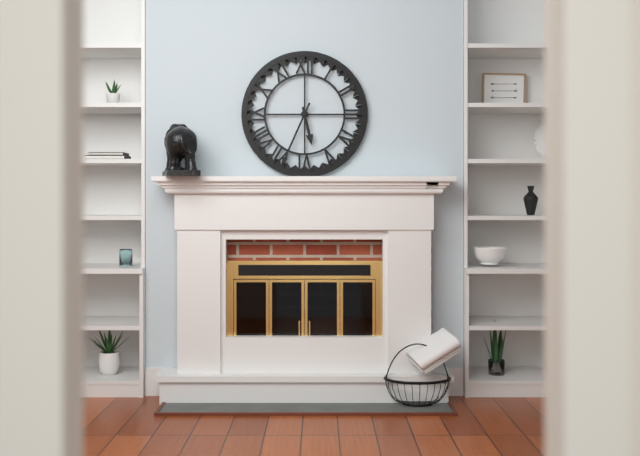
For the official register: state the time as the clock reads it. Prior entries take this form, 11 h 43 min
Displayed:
5 h 34 min
